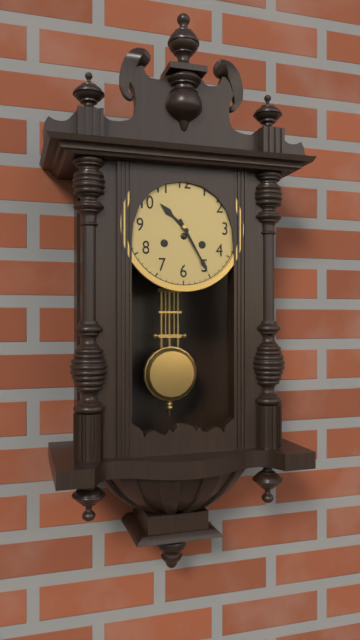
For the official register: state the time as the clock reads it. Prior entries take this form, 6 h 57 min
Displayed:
10 h 25 min
